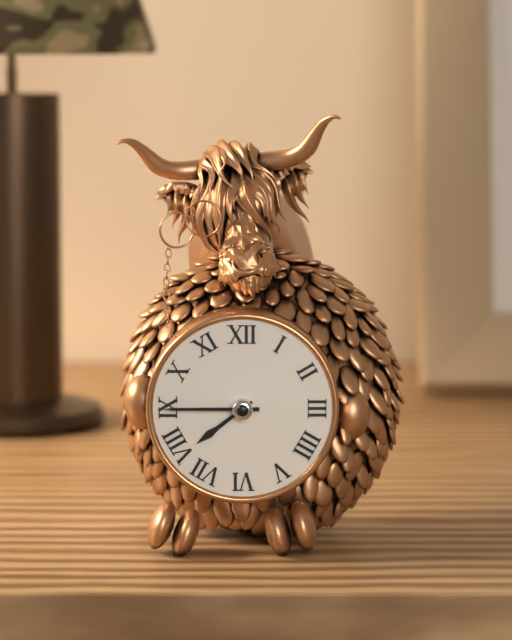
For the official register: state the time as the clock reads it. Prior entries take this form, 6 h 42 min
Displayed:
7 h 45 min
